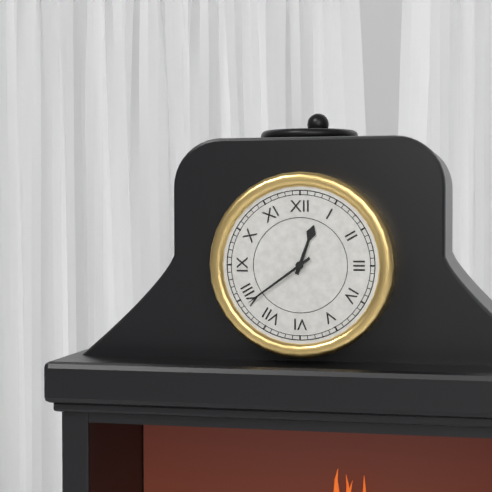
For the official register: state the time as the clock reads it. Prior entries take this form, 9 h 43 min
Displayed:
12 h 39 min
